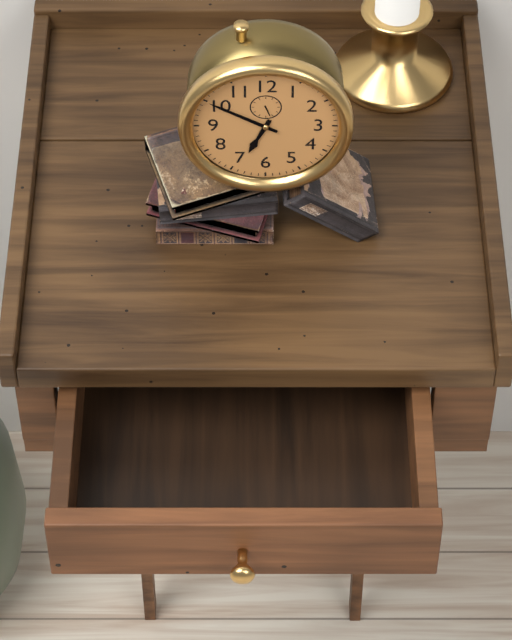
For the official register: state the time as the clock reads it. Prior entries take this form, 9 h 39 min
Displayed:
6 h 50 min
